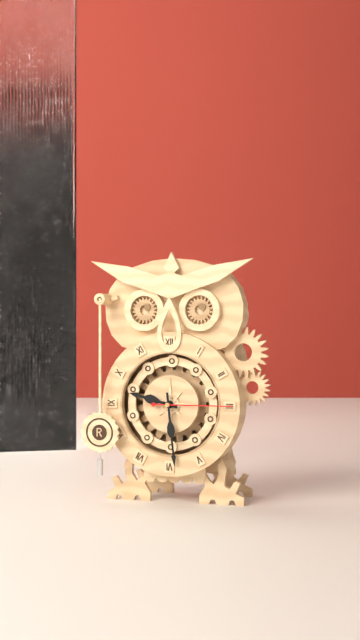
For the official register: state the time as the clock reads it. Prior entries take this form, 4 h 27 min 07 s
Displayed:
9 h 29 min 15 s
